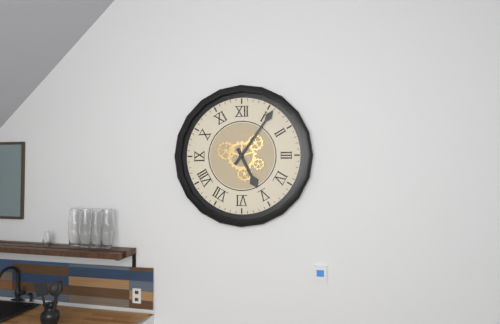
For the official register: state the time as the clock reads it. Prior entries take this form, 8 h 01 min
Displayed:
5 h 06 min
